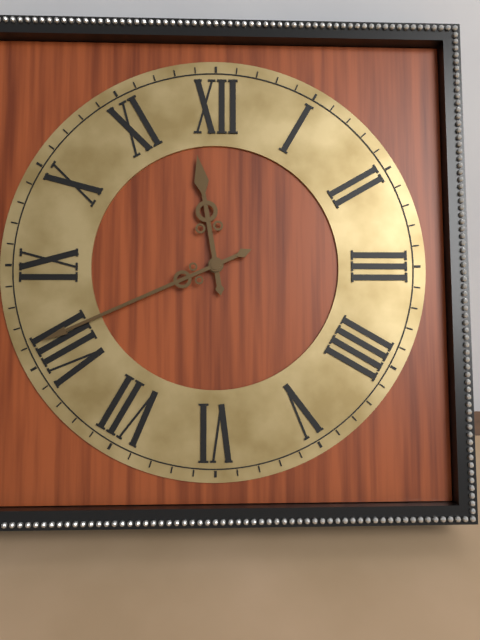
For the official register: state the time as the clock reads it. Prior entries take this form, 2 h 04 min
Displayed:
11 h 41 min
